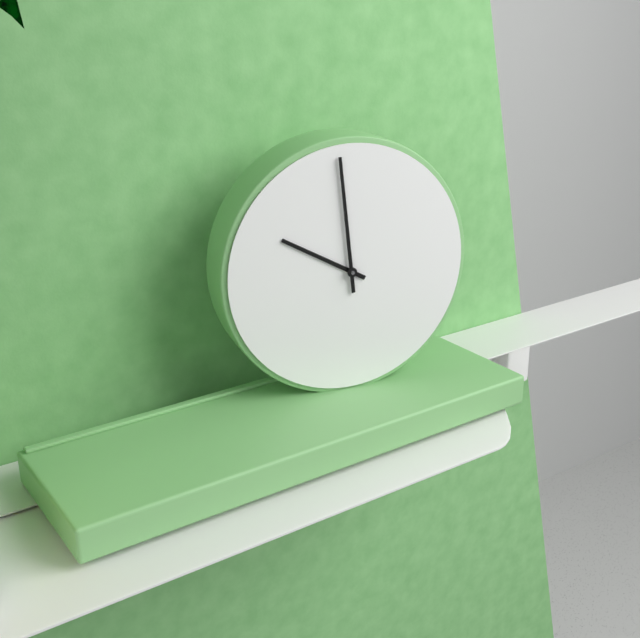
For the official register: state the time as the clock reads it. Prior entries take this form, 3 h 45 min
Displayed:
9 h 59 min
